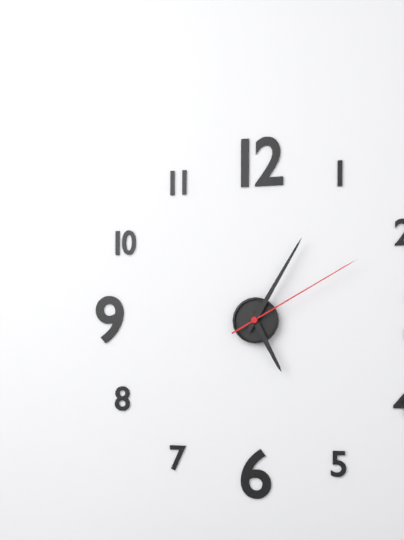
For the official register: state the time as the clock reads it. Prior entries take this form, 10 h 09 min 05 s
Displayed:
5 h 05 min 10 s
